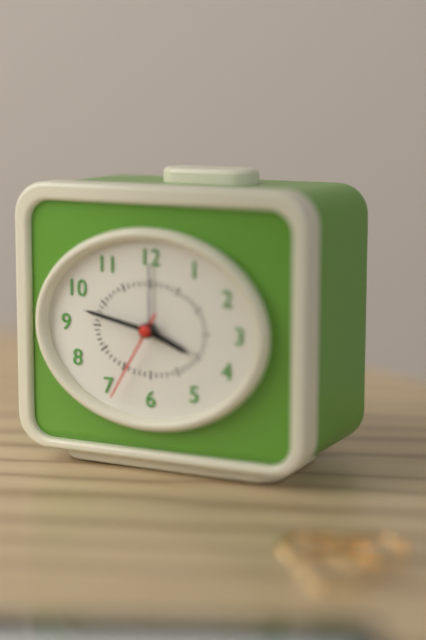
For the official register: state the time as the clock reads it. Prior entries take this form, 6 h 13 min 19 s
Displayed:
3 h 47 min 35 s
